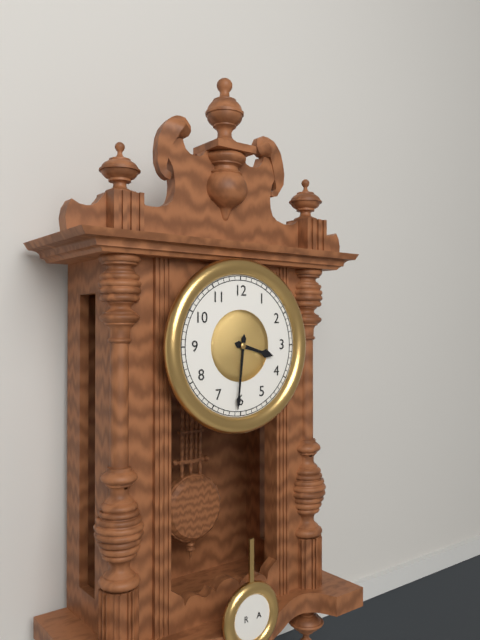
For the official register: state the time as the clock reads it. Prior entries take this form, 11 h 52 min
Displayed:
3 h 31 min
